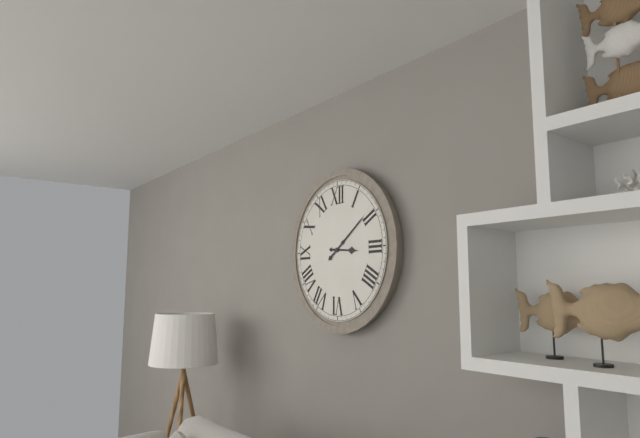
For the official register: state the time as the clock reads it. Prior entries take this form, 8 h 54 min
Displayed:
3 h 09 min
